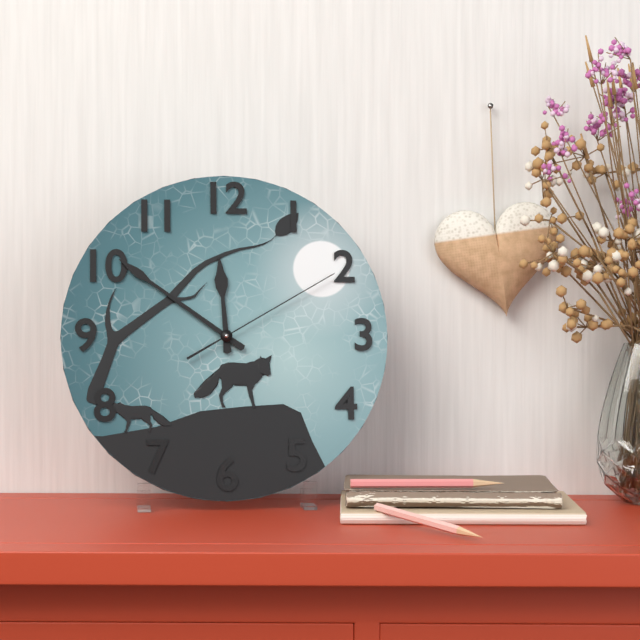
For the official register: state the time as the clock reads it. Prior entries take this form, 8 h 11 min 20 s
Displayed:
11 h 51 min 10 s
